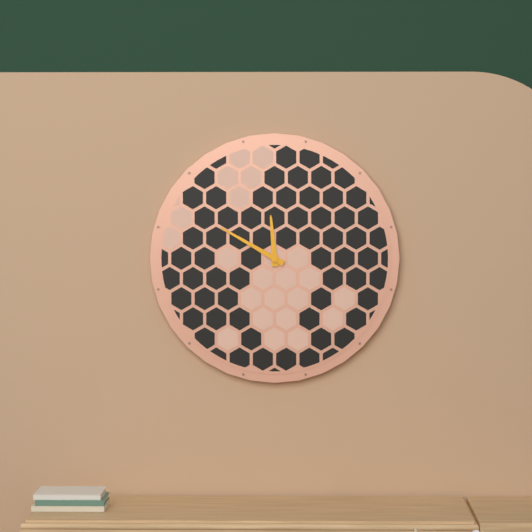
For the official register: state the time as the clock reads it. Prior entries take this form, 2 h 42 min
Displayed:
11 h 50 min
